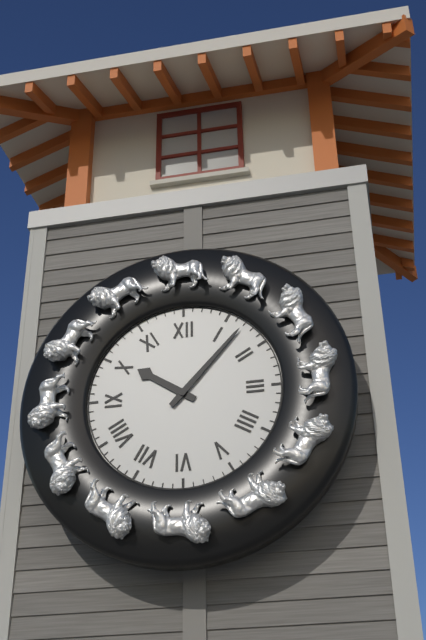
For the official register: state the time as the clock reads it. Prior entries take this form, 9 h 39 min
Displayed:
10 h 07 min
